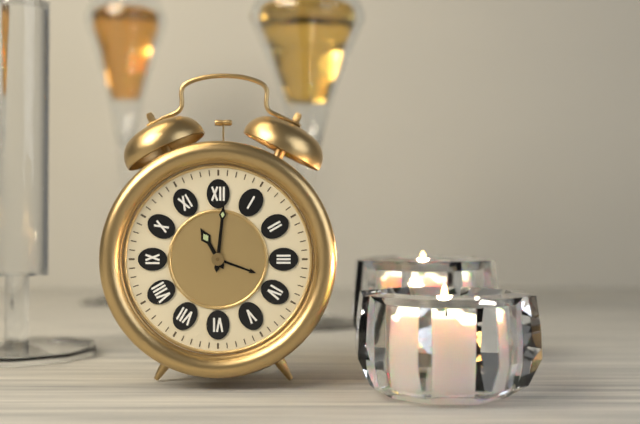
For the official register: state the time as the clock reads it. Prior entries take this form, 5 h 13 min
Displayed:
11 h 01 min
